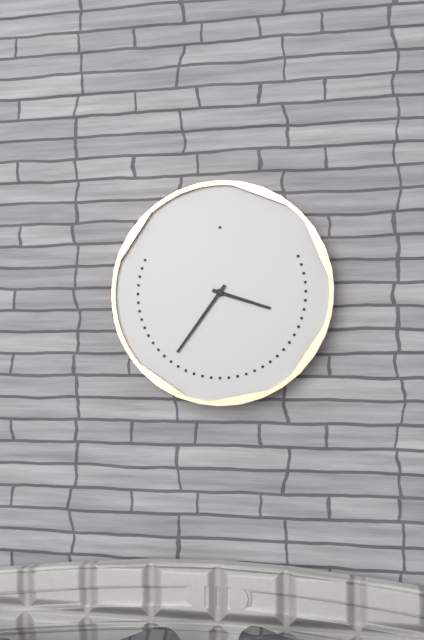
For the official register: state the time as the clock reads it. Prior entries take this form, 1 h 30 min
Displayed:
3 h 36 min
